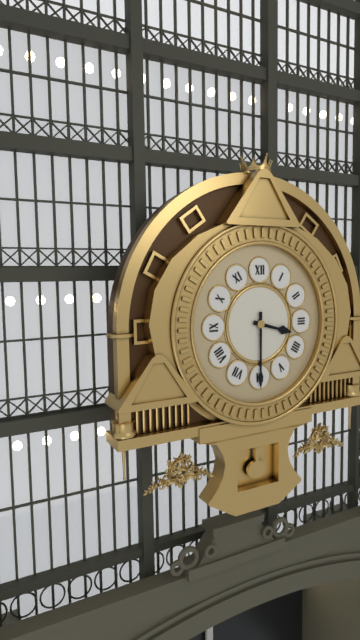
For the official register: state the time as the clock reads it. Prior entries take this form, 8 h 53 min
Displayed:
3 h 30 min
